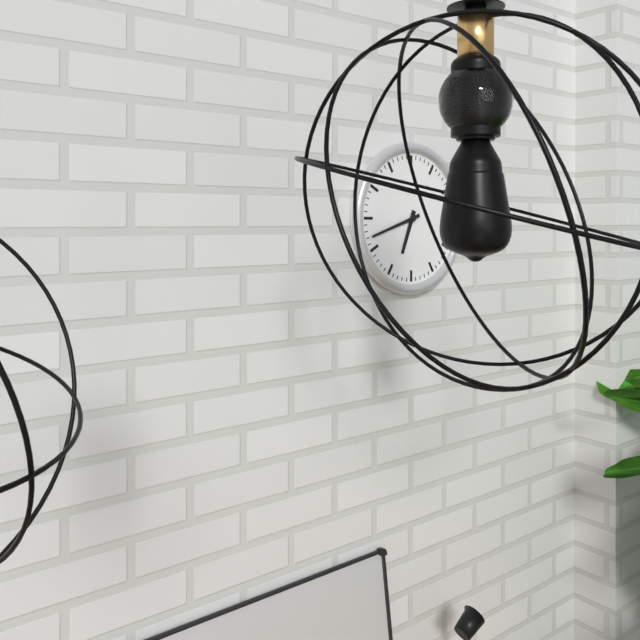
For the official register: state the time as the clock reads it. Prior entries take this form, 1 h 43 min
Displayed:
6 h 42 min
